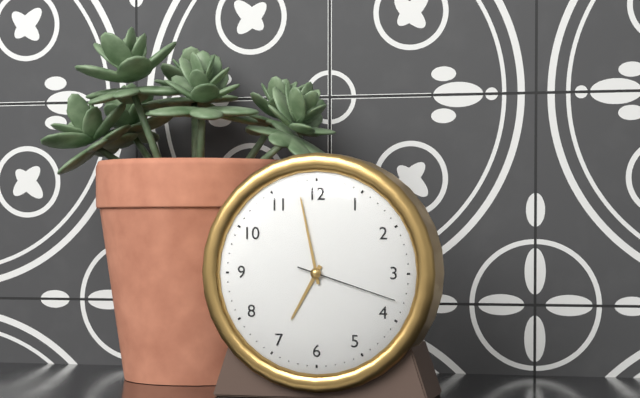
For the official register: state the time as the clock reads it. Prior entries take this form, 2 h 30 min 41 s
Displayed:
6 h 58 min 18 s
